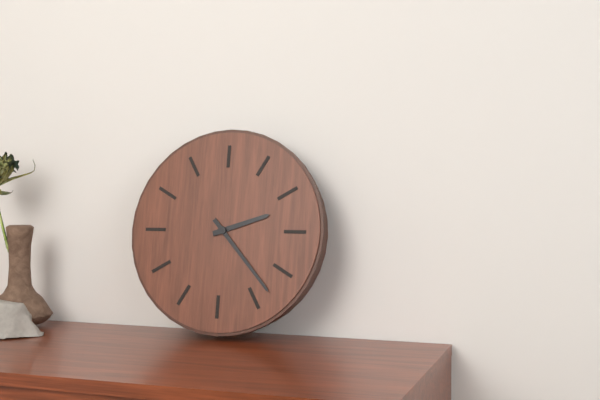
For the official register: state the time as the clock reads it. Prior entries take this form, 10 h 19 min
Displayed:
2 h 23 min
